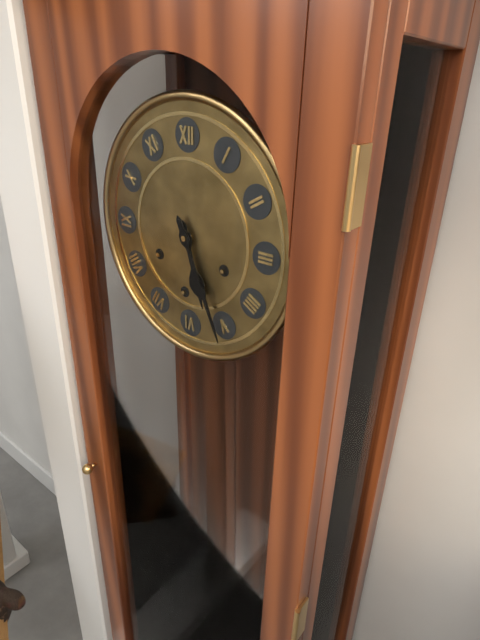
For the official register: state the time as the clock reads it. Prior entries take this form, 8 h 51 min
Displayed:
5 h 26 min
